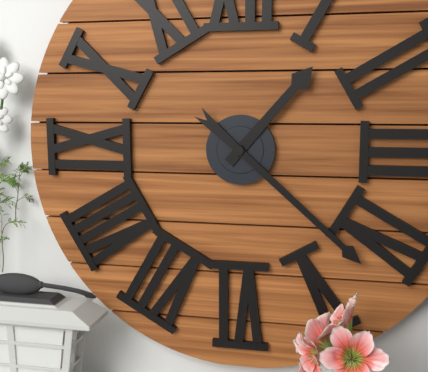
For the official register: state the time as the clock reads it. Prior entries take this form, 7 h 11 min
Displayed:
1 h 22 min
